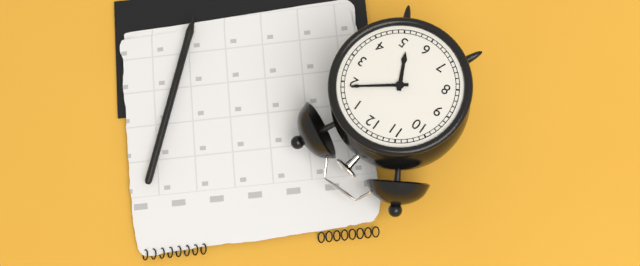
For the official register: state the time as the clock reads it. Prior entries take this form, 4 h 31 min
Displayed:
5 h 09 min
